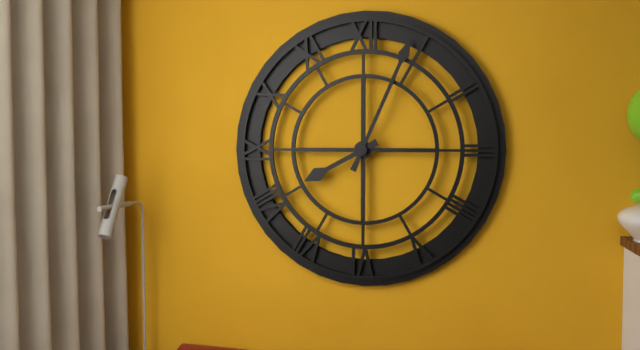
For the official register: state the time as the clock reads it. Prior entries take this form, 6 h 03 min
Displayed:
8 h 04 min
